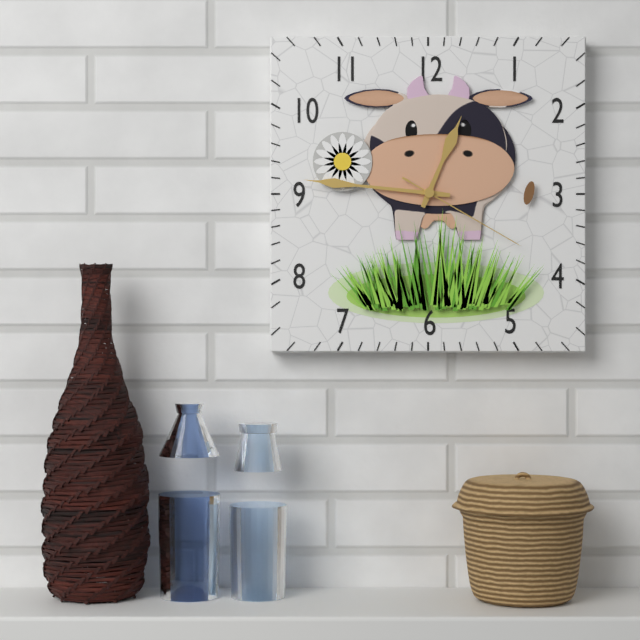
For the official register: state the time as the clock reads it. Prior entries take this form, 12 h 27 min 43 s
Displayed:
12 h 46 min 20 s
